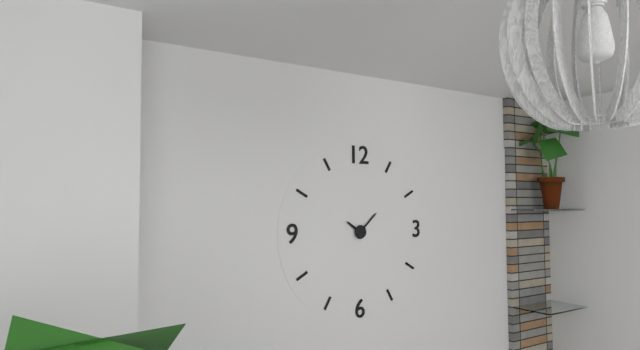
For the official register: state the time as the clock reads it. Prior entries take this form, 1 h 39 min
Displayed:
10 h 08 min
